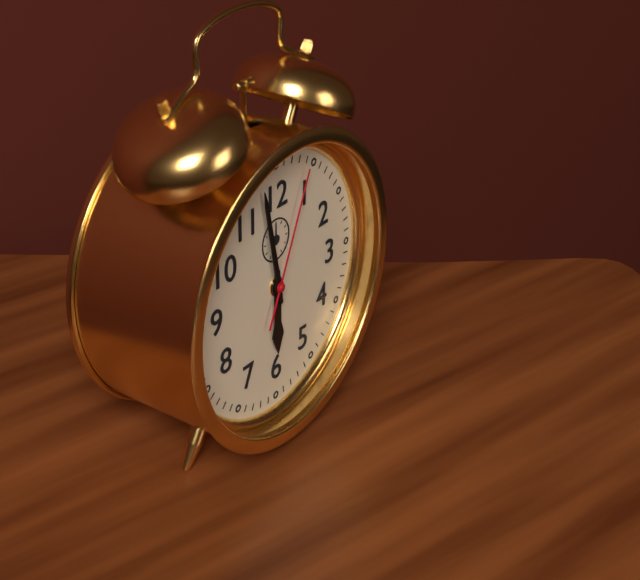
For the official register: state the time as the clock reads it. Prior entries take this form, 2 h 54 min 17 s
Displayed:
5 h 58 min 04 s
